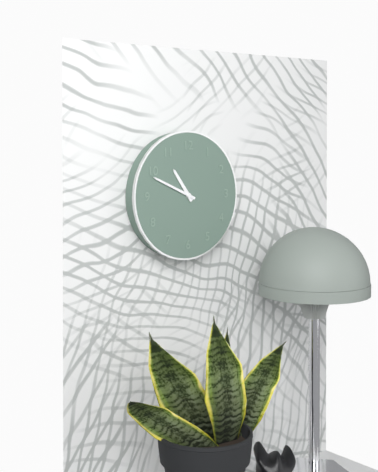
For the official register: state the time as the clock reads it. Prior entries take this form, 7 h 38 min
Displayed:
10 h 49 min
